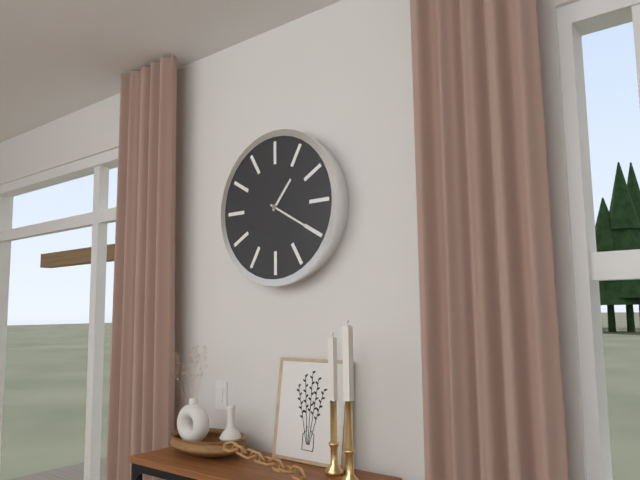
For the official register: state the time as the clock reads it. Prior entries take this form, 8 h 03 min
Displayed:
1 h 20 min
